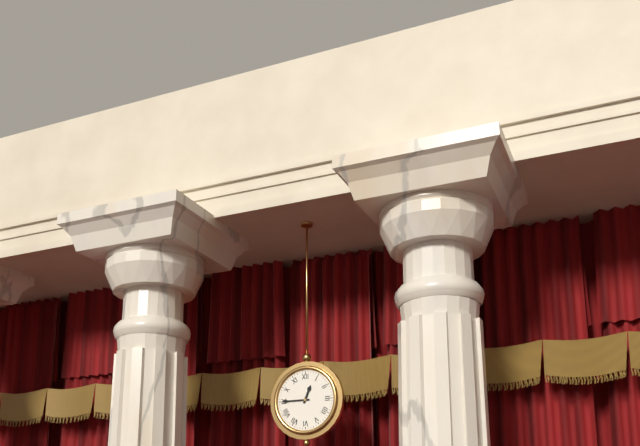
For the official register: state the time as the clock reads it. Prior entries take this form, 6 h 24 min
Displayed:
12 h 45 min
